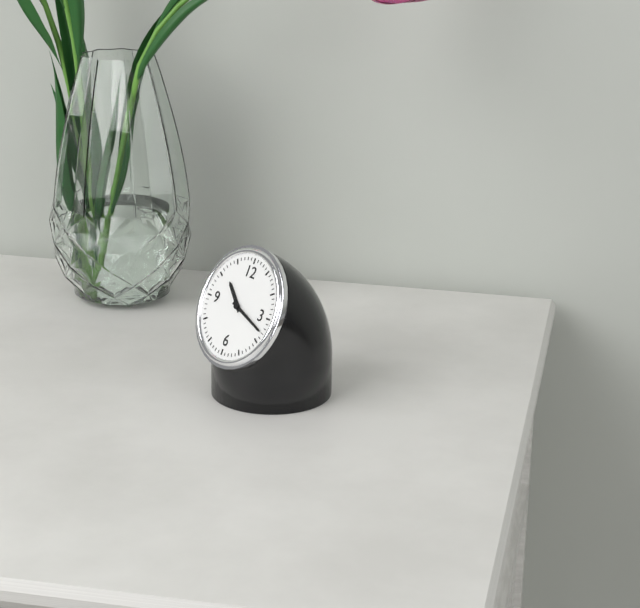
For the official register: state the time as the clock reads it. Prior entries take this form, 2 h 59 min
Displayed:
10 h 18 min
